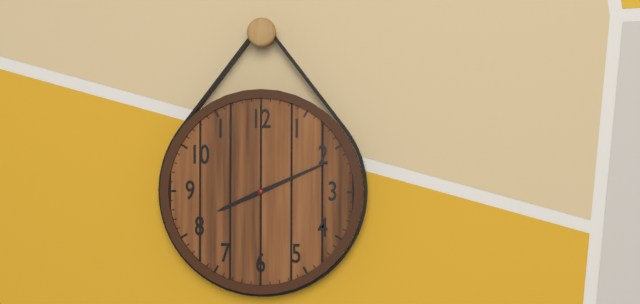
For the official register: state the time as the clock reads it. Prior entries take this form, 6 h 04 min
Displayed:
8 h 11 min
